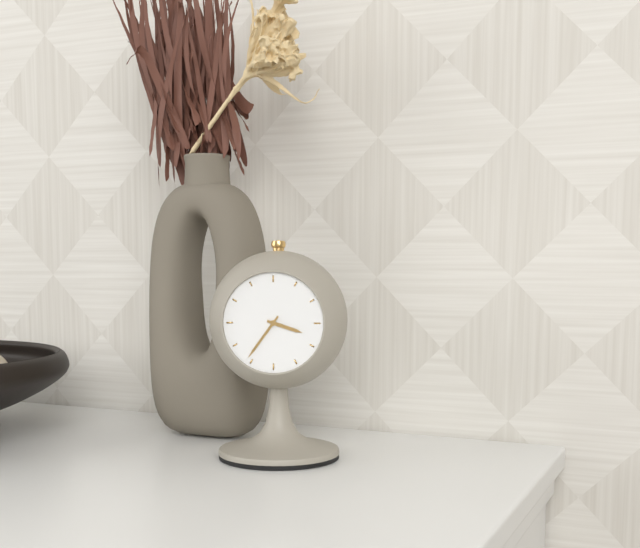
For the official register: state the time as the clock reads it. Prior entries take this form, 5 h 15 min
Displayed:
3 h 36 min
